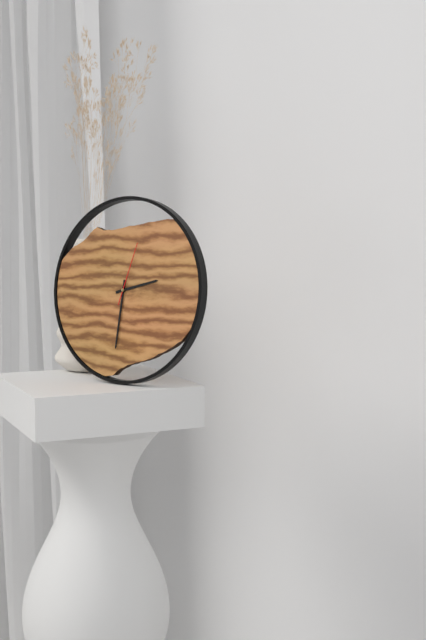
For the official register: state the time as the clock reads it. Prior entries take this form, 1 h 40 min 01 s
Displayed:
2 h 31 min 03 s
